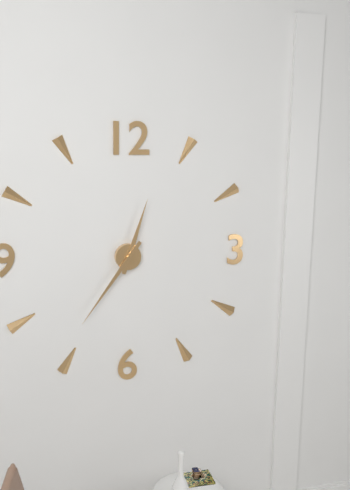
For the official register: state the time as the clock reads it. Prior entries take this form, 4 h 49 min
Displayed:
12 h 36 min
